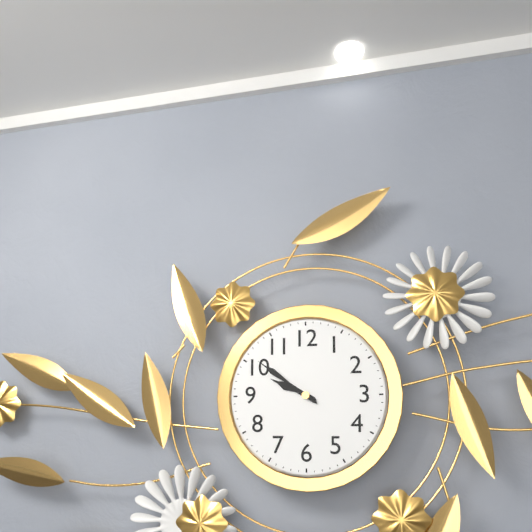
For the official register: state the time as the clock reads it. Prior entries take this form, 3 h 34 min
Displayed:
9 h 51 min
